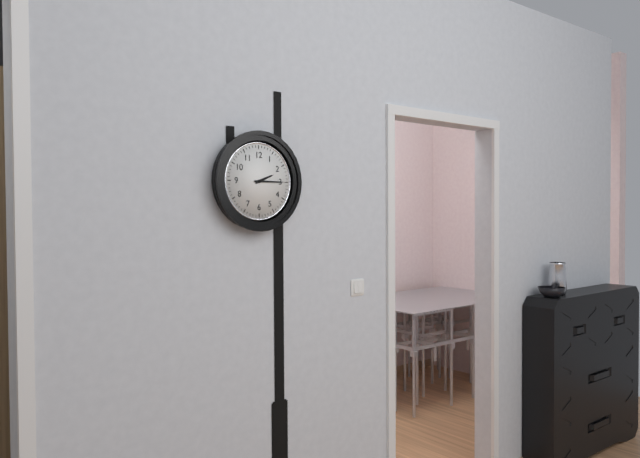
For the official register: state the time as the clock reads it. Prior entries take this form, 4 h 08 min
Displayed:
2 h 15 min
